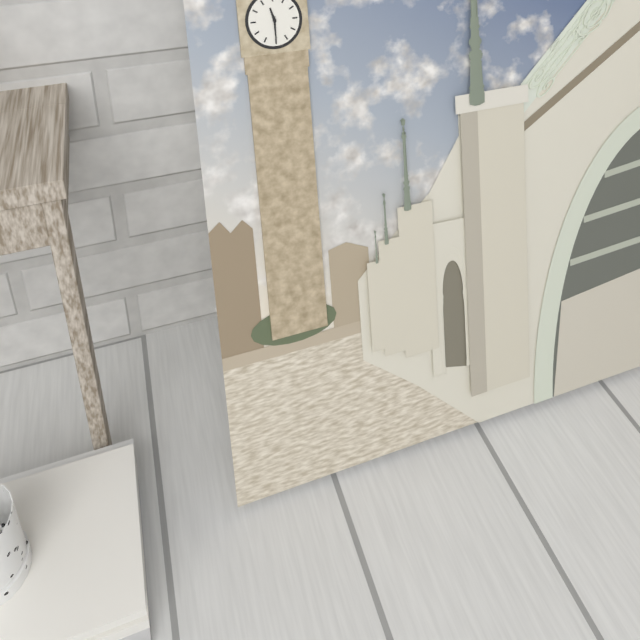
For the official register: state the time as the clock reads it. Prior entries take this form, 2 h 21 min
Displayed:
11 h 30 min
